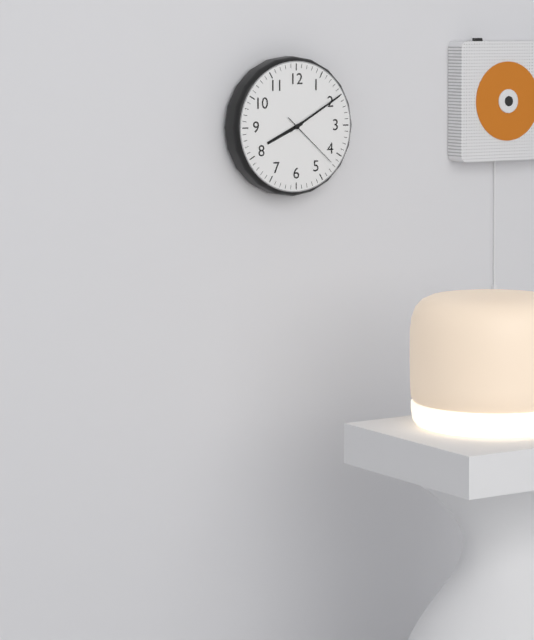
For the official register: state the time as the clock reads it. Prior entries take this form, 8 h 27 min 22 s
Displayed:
8 h 10 min 22 s
